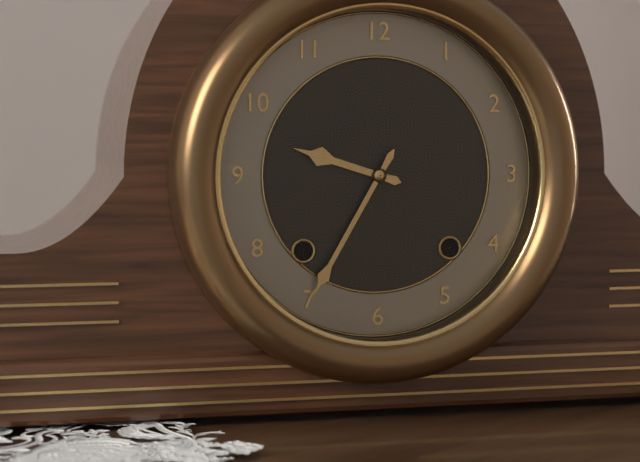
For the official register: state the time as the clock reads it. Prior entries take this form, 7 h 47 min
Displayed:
9 h 35 min
